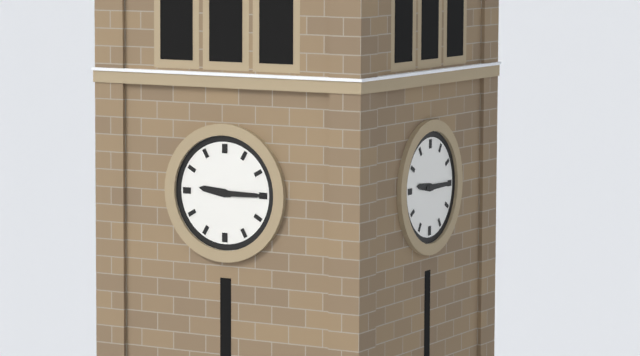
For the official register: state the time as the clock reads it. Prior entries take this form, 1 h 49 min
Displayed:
9 h 15 min
